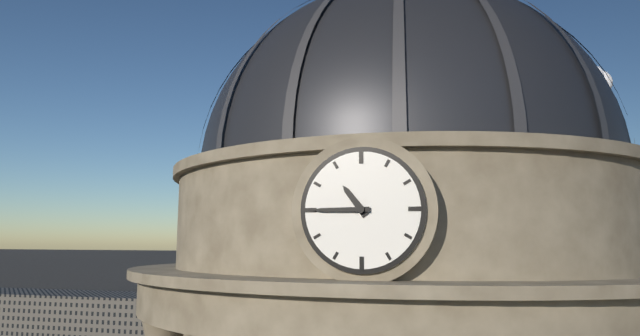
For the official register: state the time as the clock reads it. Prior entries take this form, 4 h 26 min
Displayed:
10 h 45 min
